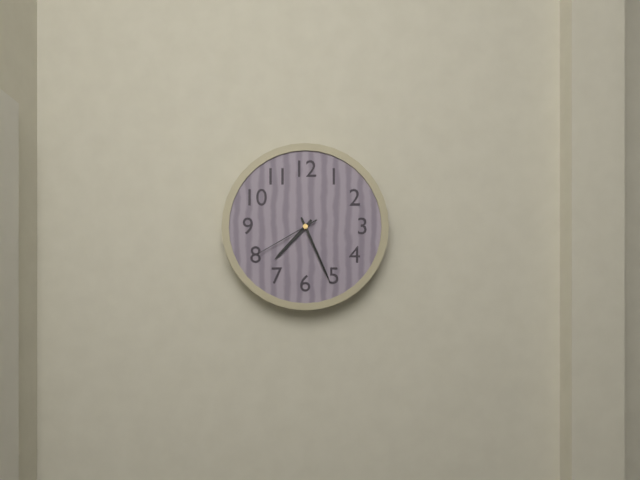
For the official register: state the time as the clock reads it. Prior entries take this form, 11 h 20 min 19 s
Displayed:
7 h 26 min 40 s
